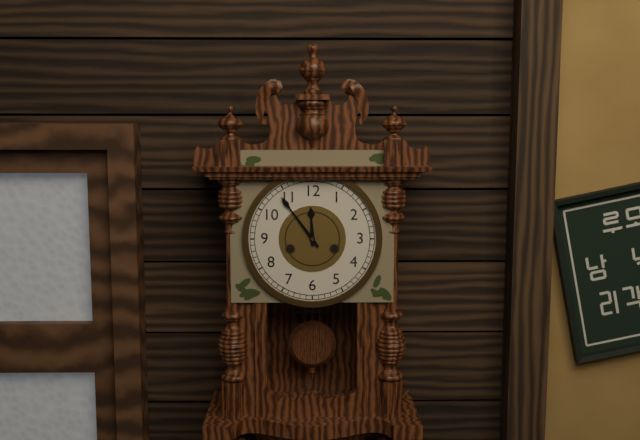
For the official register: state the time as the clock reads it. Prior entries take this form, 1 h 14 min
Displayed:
11 h 54 min
